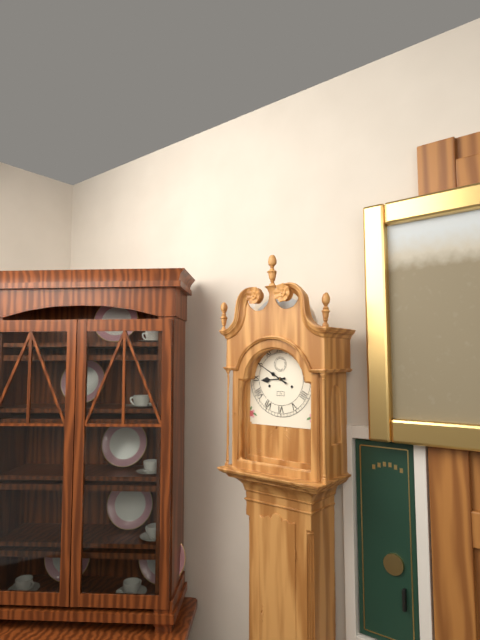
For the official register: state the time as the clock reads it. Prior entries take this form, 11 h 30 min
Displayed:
8 h 50 min
